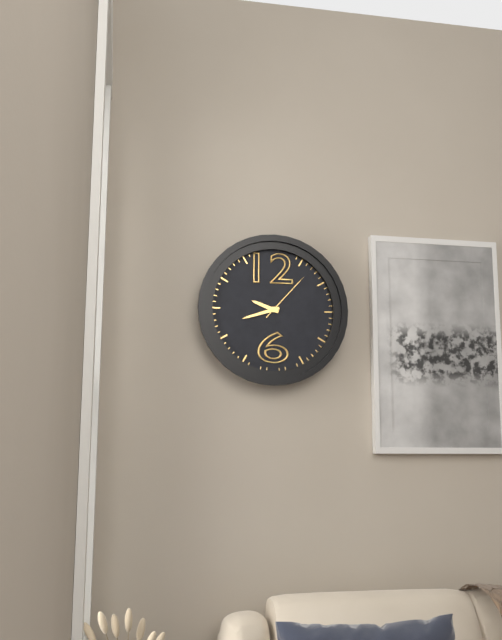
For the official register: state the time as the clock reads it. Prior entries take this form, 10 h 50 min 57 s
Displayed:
9 h 42 min 07 s
